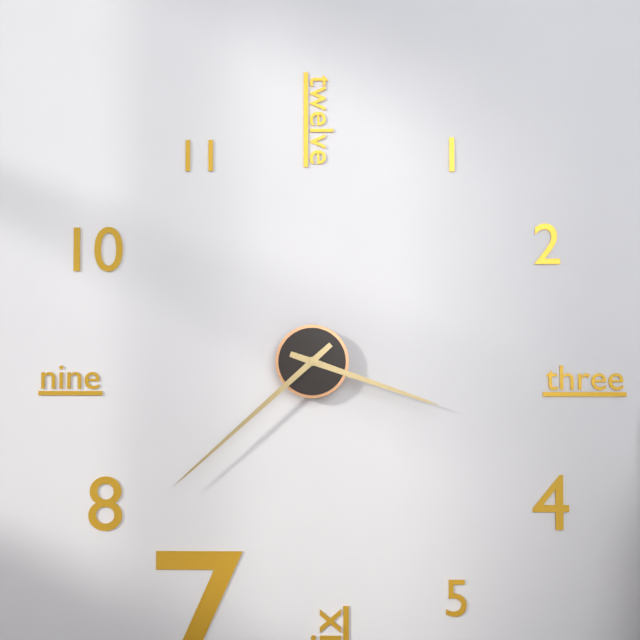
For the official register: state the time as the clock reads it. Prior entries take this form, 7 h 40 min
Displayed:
3 h 38 min
